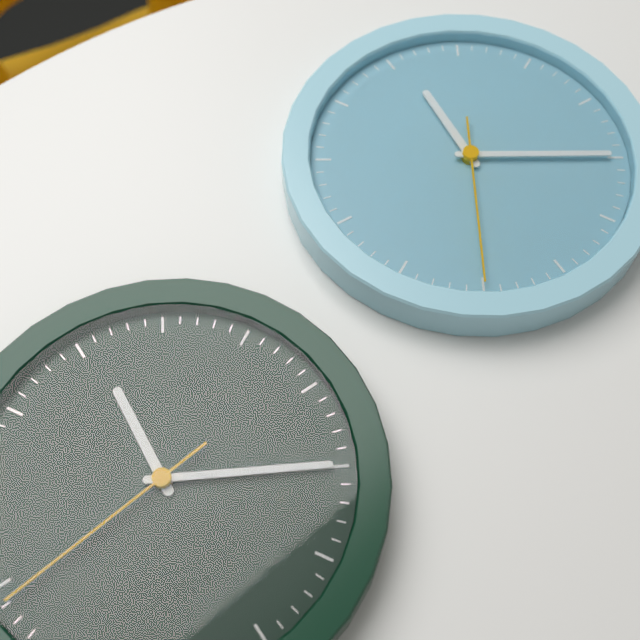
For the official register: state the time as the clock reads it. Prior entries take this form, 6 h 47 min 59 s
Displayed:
10 h 10 min 34 s
